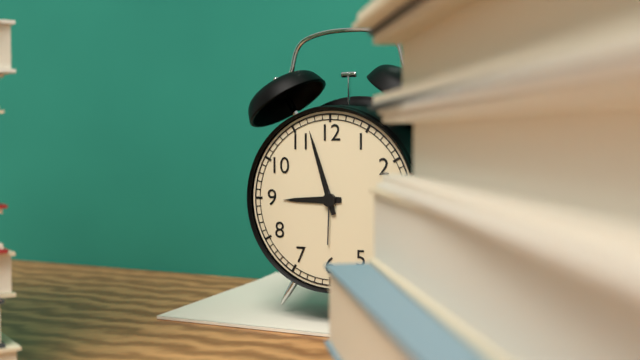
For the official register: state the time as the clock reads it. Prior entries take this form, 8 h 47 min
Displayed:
8 h 57 min
